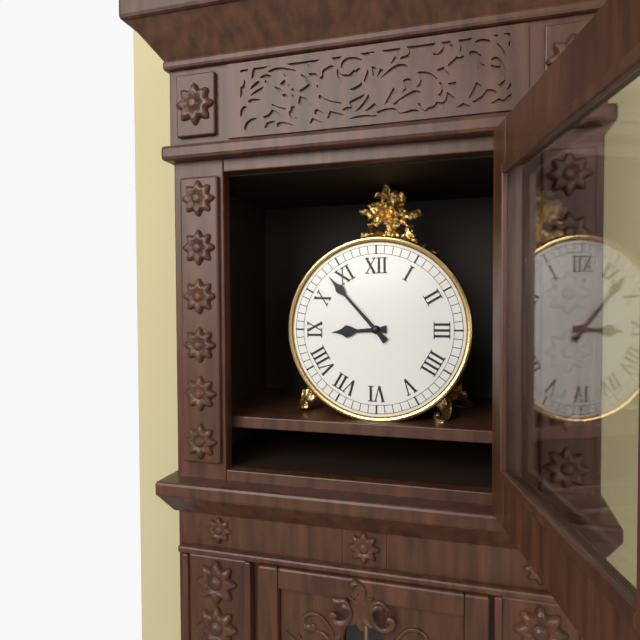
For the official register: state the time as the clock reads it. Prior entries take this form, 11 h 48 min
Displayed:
8 h 53 min
